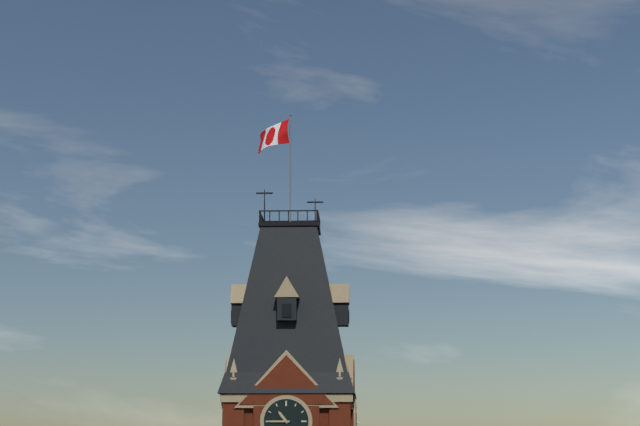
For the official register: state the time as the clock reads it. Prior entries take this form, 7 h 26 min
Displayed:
10 h 45 min
